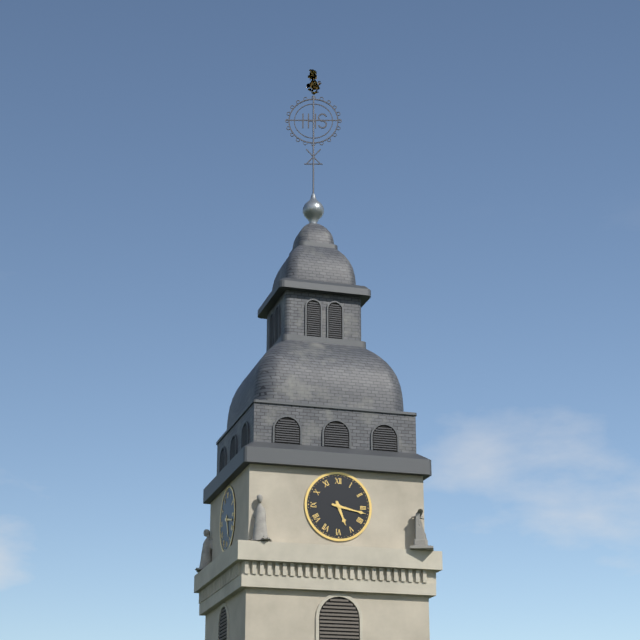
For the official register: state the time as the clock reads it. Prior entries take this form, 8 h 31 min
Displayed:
5 h 17 min
